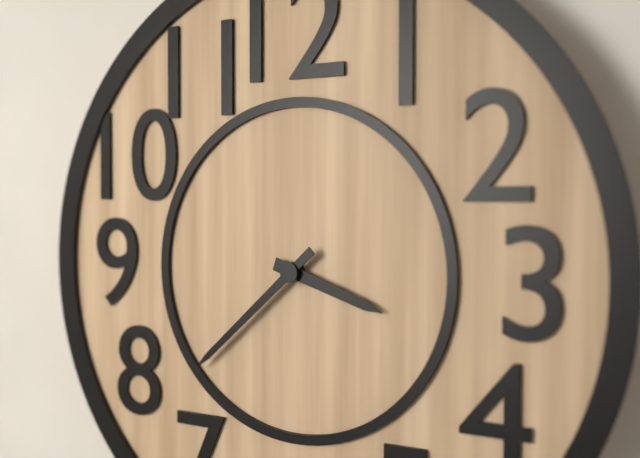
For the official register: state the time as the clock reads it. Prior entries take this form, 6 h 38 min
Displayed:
3 h 38 min
